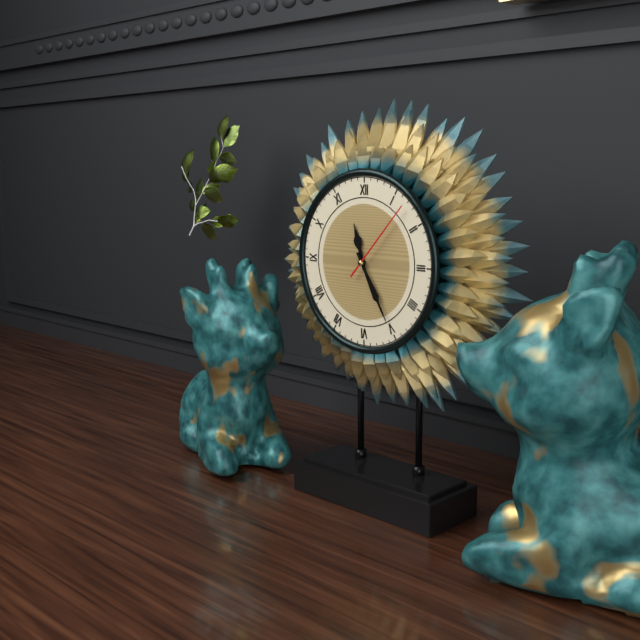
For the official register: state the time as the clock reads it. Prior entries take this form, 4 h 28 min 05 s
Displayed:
11 h 25 min 07 s
